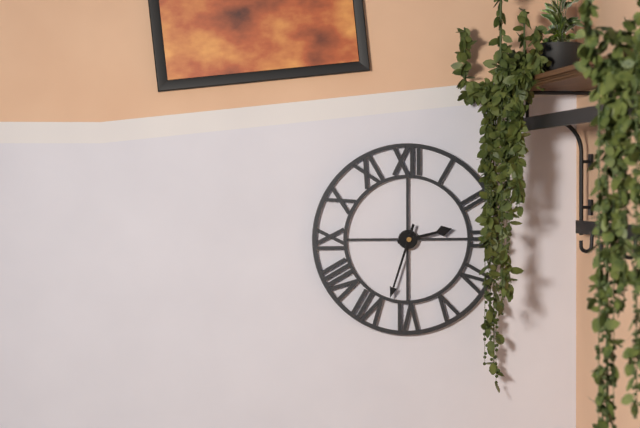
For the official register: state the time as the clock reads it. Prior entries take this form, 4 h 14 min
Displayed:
2 h 33 min
